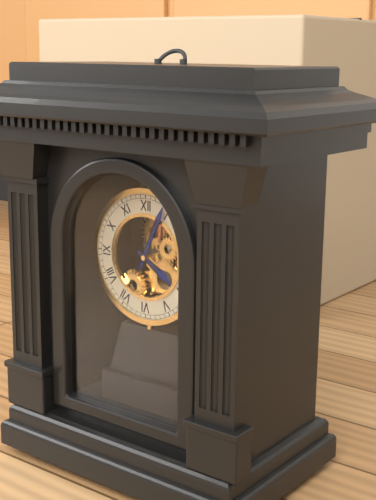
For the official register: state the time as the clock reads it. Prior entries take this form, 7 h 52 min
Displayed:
4 h 04 min
